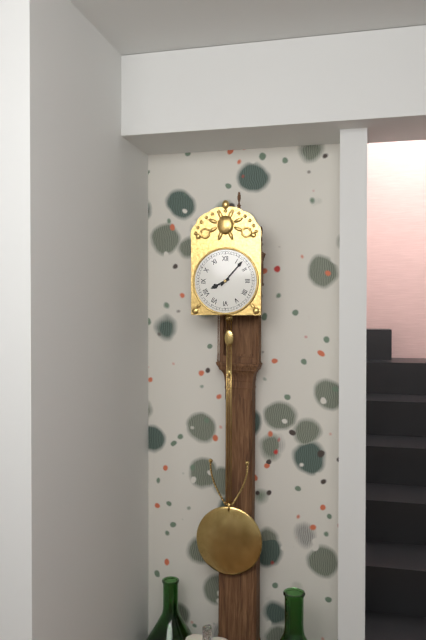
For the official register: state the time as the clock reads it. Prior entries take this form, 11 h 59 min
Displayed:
8 h 07 min
